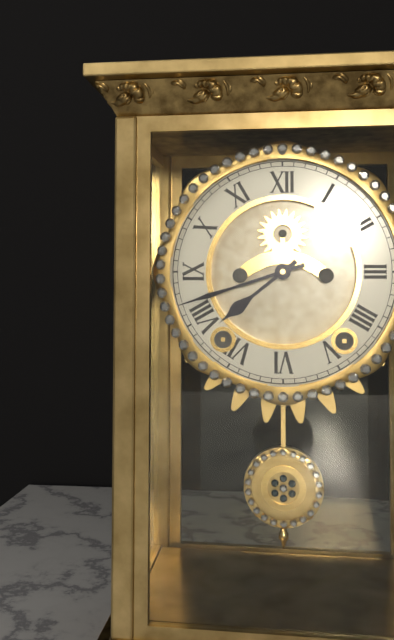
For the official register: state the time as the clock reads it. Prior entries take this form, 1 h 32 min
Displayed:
7 h 42 min
